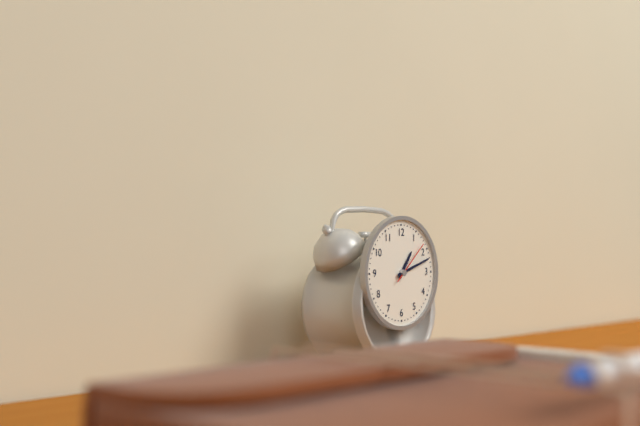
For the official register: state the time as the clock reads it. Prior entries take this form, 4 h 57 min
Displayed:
1 h 12 min
